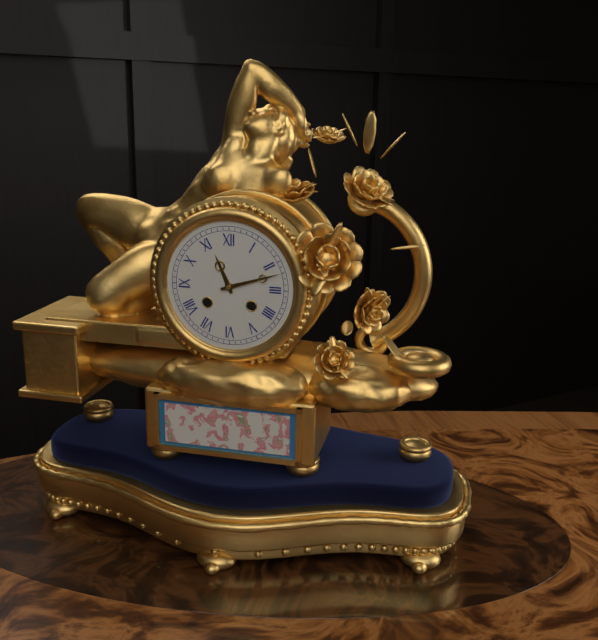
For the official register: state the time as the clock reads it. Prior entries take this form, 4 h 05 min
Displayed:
11 h 12 min
